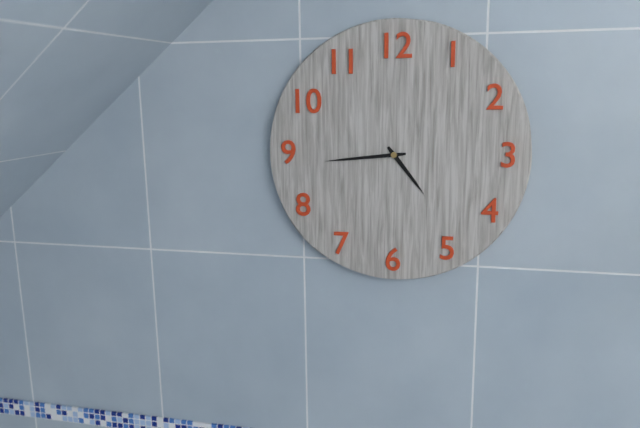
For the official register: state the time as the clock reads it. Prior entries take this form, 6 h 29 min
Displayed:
4 h 44 min
